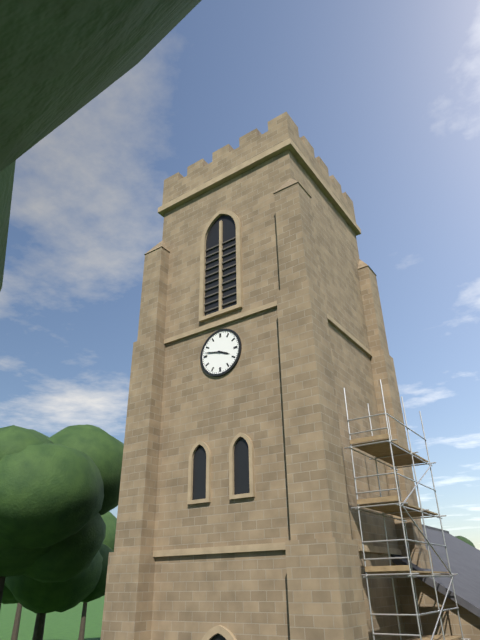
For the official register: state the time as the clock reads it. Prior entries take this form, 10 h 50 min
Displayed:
3 h 47 min
